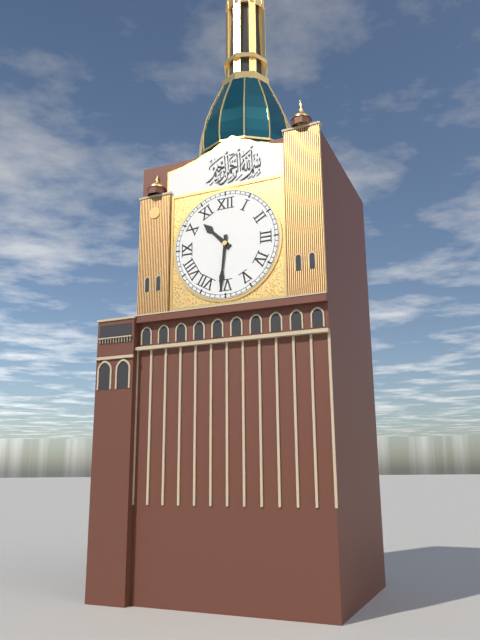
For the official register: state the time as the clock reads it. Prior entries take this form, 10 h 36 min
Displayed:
10 h 31 min
